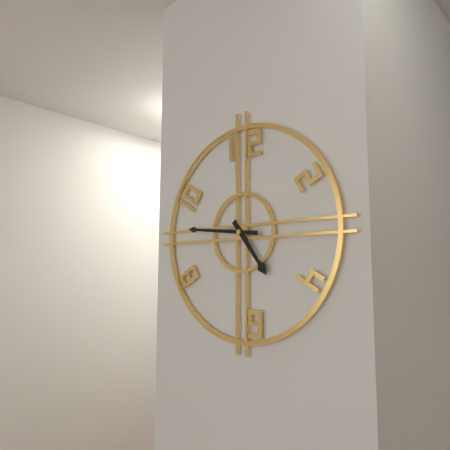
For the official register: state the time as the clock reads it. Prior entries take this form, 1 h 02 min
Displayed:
4 h 46 min
